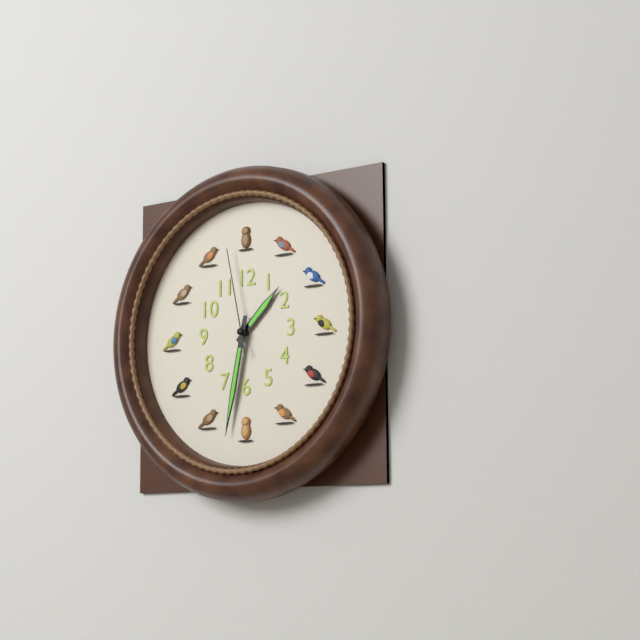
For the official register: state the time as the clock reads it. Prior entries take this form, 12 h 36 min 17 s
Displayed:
1 h 32 min 58 s
